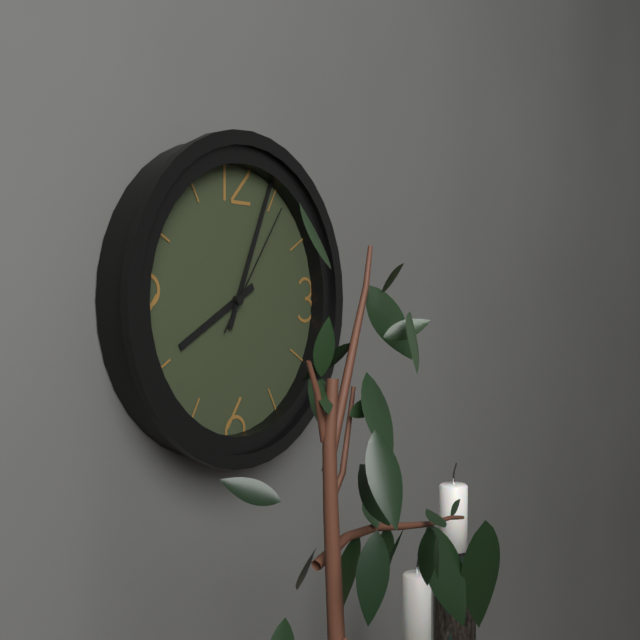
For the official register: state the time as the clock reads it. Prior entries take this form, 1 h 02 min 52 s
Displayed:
8 h 04 min 06 s
